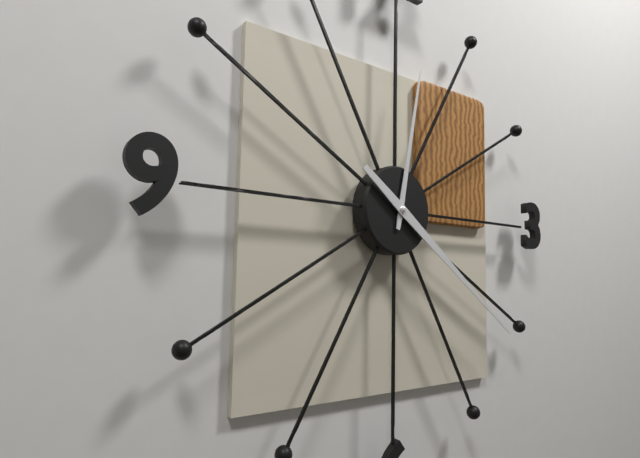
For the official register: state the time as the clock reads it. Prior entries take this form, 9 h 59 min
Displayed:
12 h 21 min
